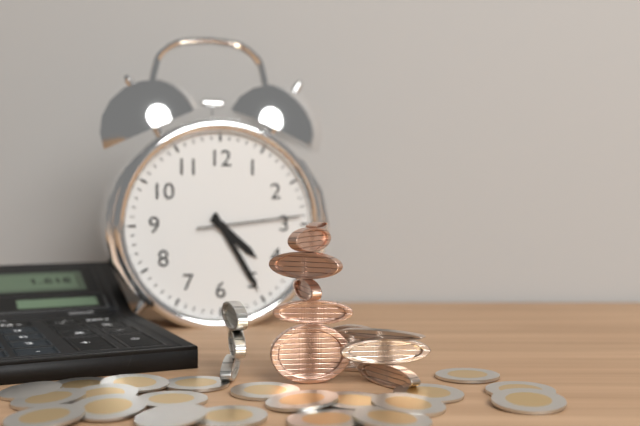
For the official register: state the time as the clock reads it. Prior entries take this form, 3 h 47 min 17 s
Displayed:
4 h 25 min 14 s
